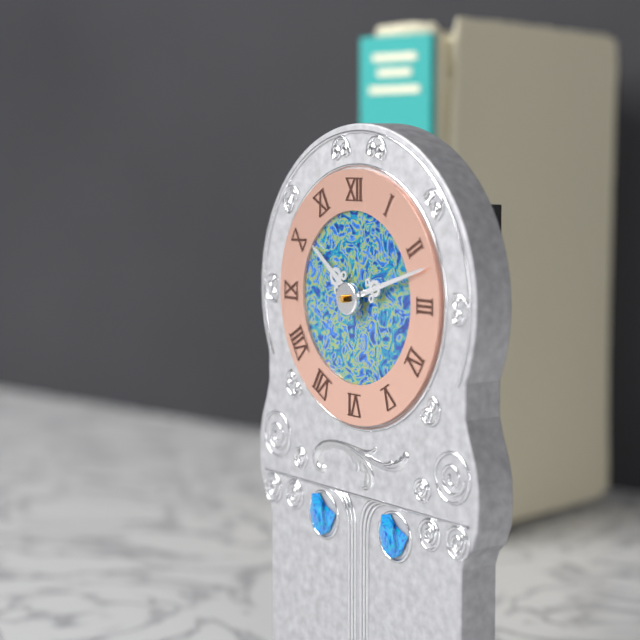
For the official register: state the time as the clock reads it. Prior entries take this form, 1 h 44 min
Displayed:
10 h 12 min
